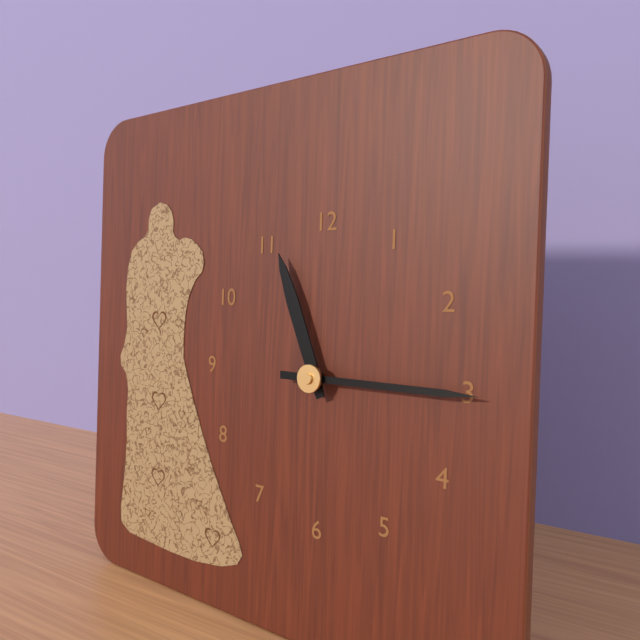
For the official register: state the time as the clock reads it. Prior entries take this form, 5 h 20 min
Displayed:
11 h 15 min
